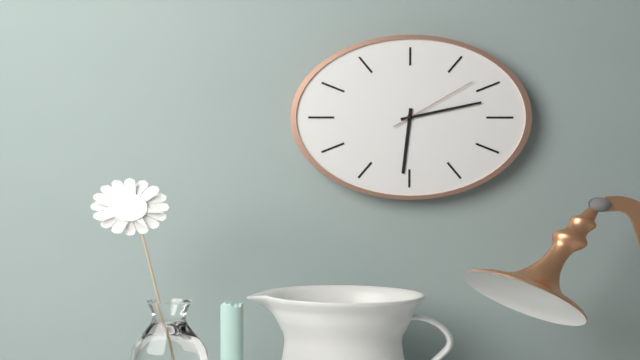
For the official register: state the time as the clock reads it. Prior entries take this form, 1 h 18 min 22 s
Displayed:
6 h 13 min 10 s
